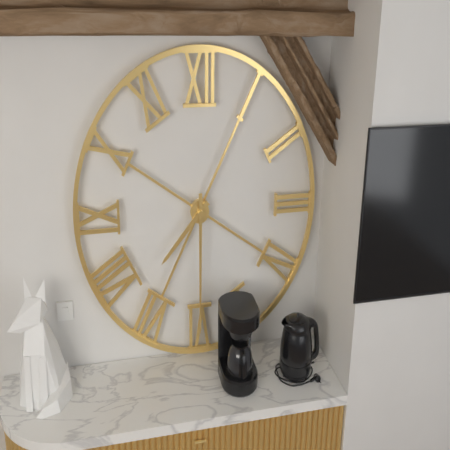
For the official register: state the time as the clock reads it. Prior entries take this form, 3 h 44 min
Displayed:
7 h 30 min
